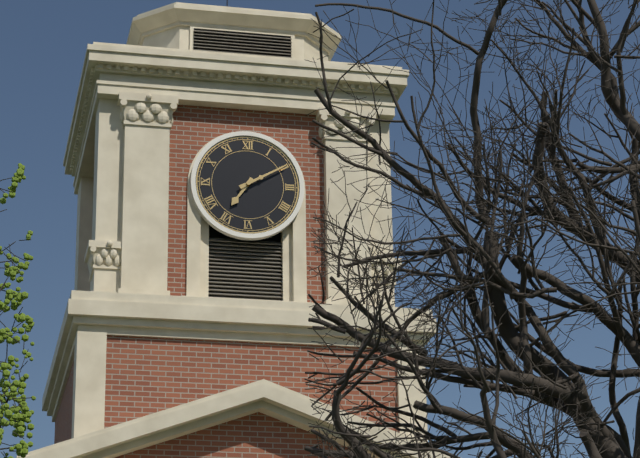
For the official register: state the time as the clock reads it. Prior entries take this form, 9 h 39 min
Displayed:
7 h 10 min
